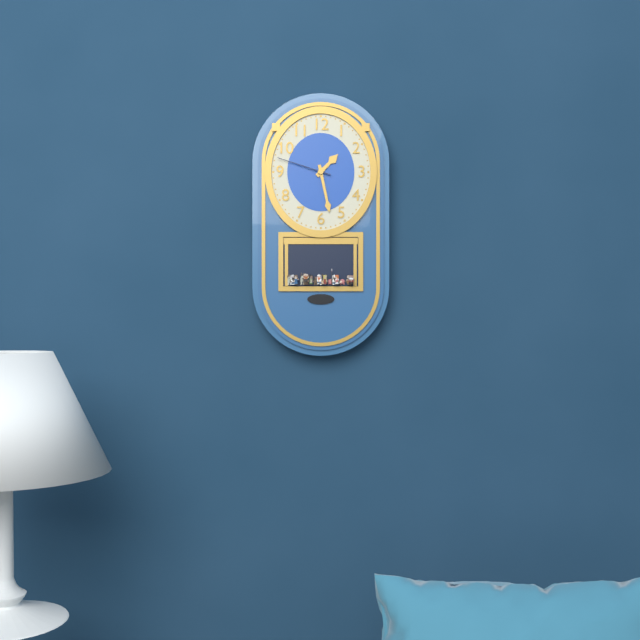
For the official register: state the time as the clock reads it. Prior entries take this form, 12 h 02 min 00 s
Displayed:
1 h 28 min 48 s
